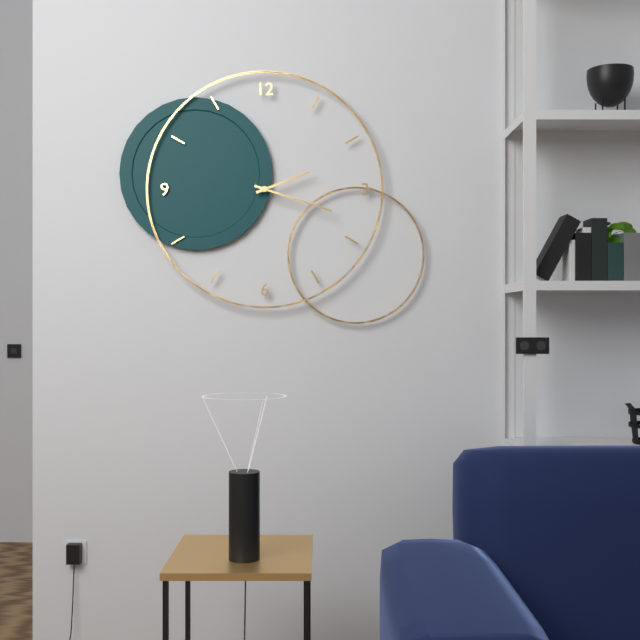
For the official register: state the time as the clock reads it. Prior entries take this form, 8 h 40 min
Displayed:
2 h 18 min
